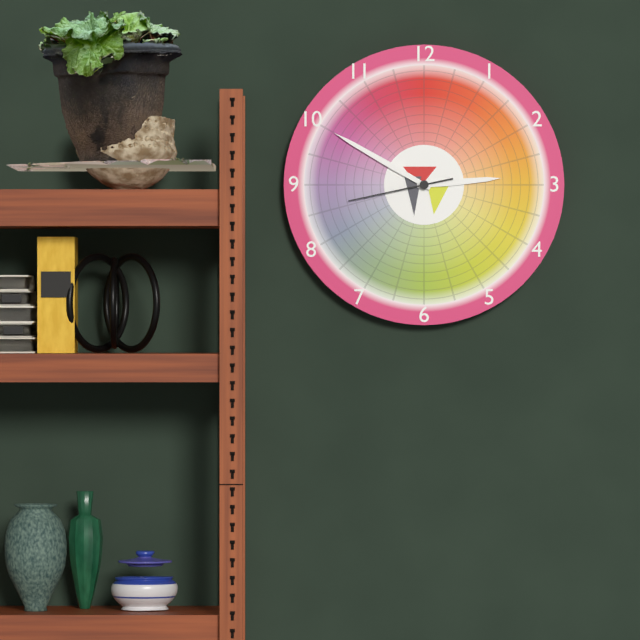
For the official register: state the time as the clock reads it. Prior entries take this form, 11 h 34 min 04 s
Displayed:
2 h 50 min 43 s
